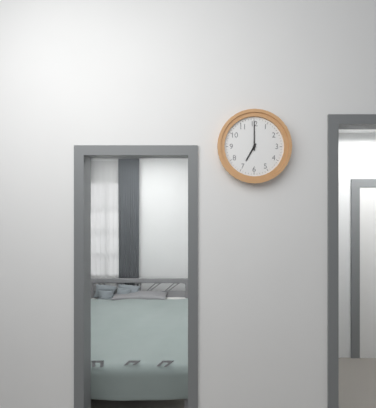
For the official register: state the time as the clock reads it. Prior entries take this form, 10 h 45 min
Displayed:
7 h 00 min
